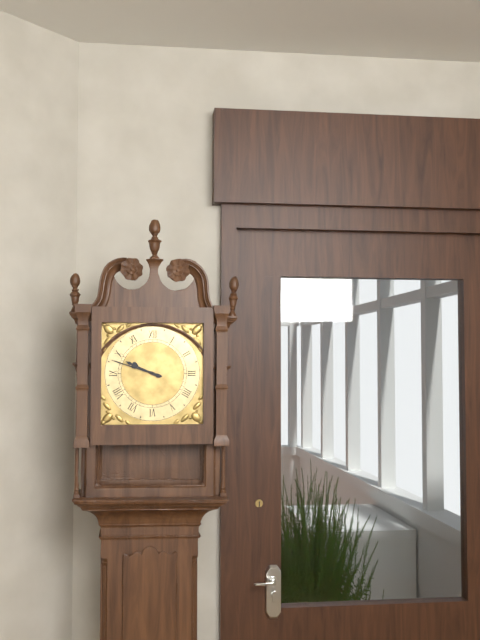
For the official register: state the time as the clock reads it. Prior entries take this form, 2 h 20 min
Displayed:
9 h 48 min
